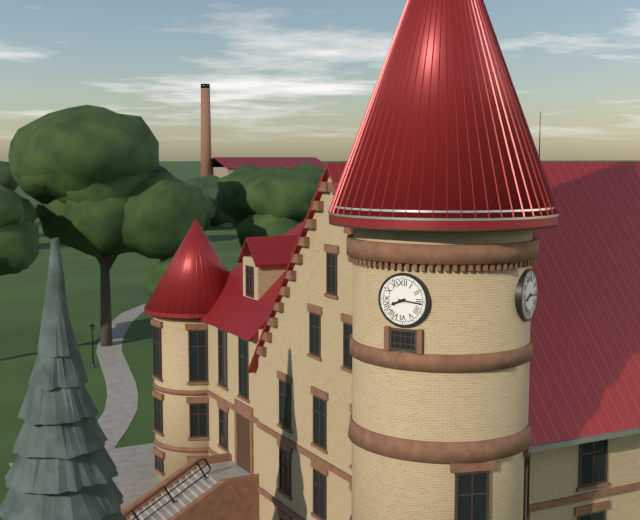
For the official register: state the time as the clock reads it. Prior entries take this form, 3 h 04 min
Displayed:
8 h 16 min
